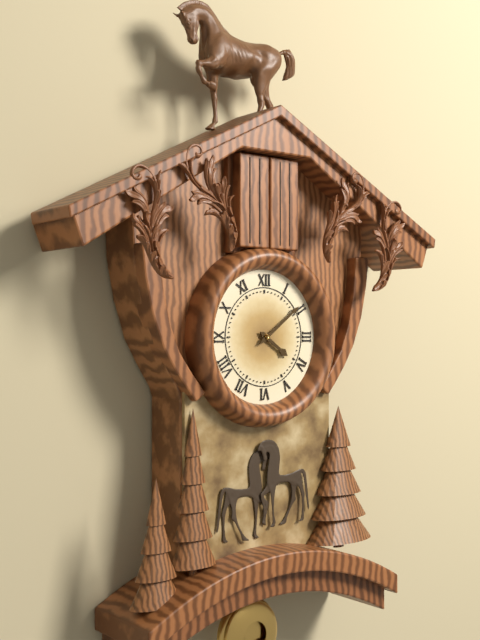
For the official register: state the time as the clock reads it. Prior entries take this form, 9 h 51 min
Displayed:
4 h 09 min
